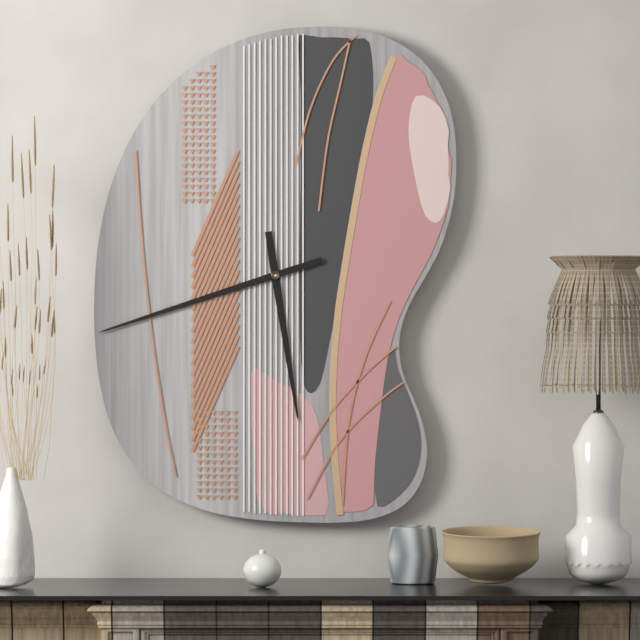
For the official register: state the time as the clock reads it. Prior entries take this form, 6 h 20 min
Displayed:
5 h 42 min
